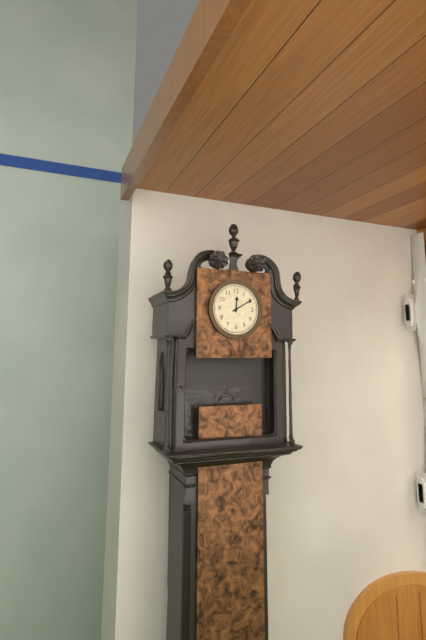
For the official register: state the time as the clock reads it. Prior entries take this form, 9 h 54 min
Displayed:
12 h 10 min
